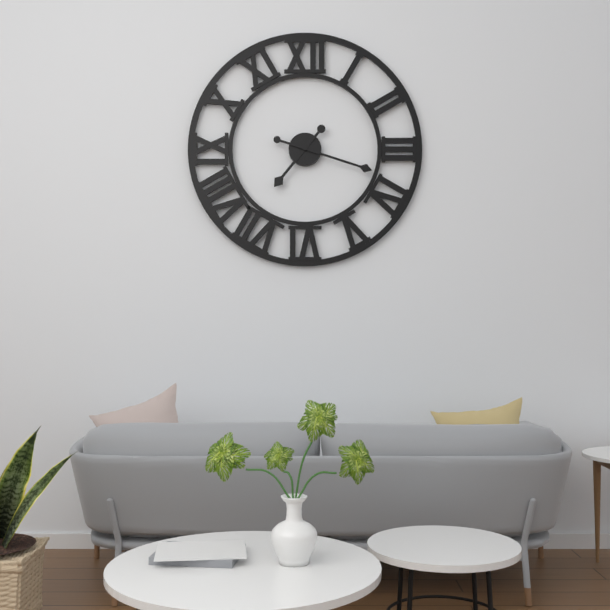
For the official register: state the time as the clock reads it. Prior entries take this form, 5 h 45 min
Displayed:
7 h 18 min
